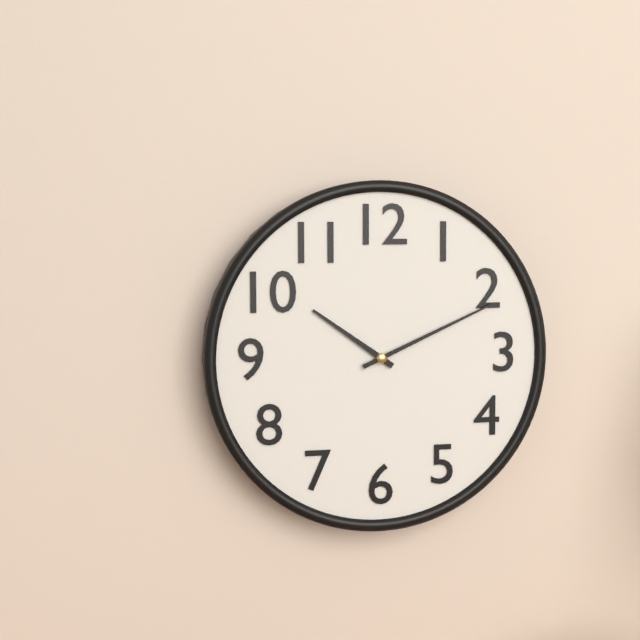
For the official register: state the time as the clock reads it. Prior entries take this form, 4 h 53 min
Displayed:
10 h 11 min
